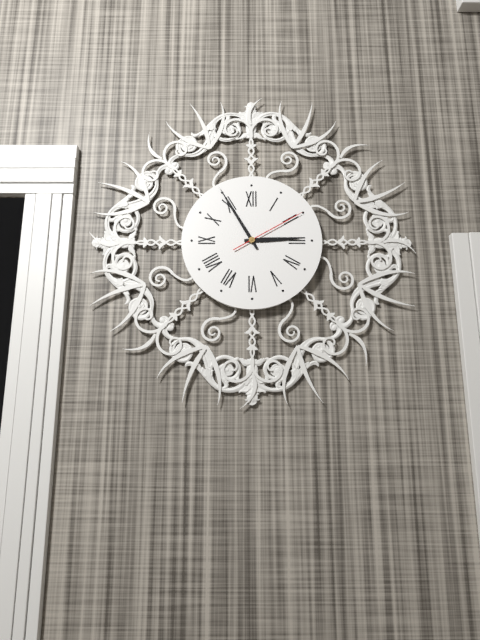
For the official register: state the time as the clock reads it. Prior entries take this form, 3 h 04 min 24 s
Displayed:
2 h 55 min 10 s
